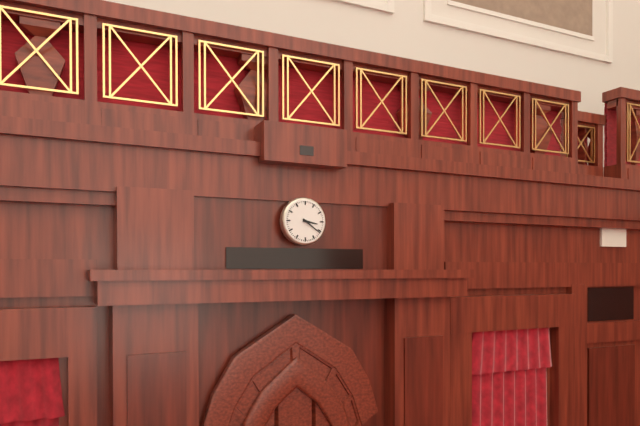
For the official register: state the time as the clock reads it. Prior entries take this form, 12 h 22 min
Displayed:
3 h 21 min
